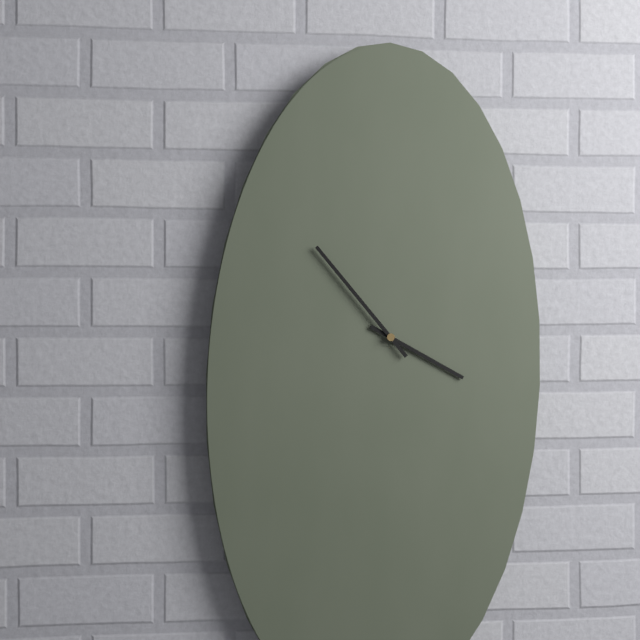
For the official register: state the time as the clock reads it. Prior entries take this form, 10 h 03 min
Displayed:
3 h 53 min
